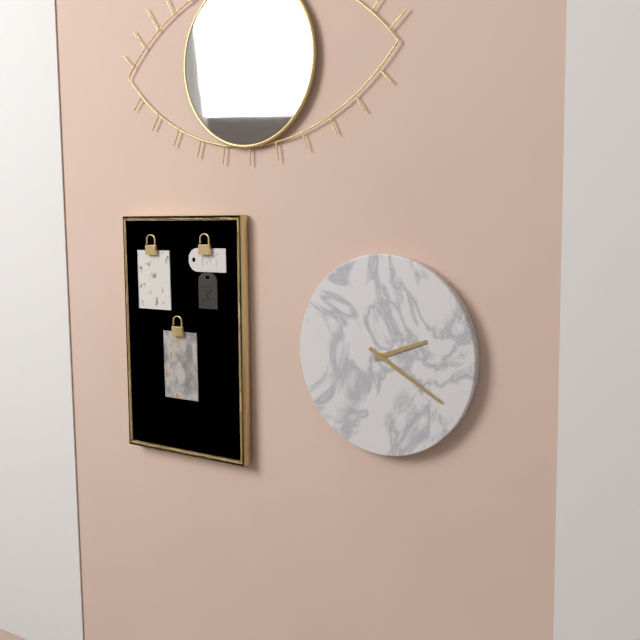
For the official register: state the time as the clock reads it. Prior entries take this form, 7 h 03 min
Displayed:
2 h 20 min
